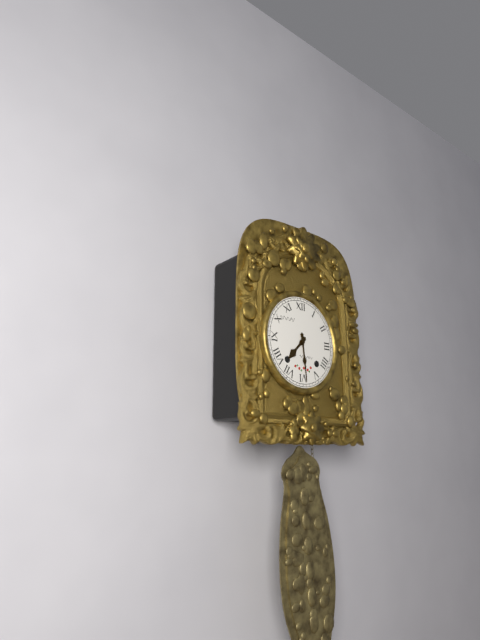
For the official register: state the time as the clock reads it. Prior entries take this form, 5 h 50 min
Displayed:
7 h 29 min
